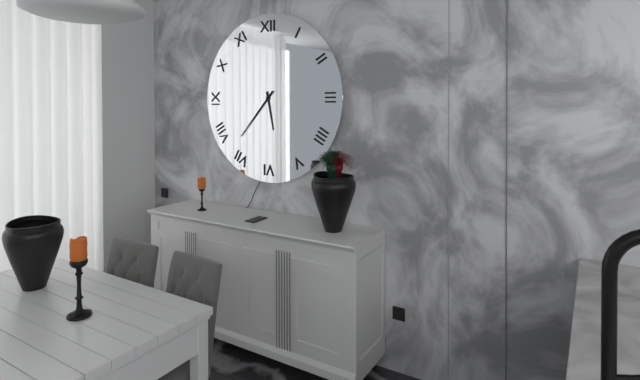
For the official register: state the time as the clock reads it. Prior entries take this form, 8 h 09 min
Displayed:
5 h 37 min
